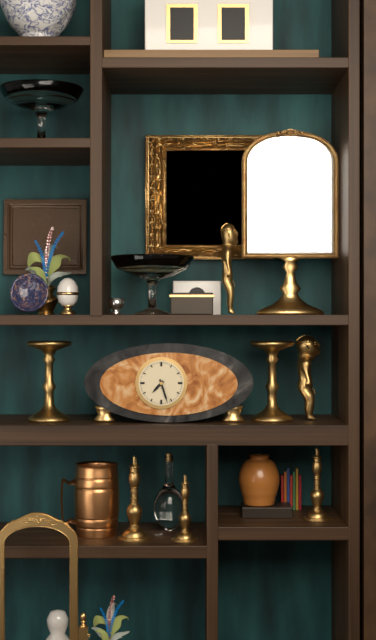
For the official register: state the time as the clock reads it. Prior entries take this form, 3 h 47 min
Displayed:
7 h 27 min
